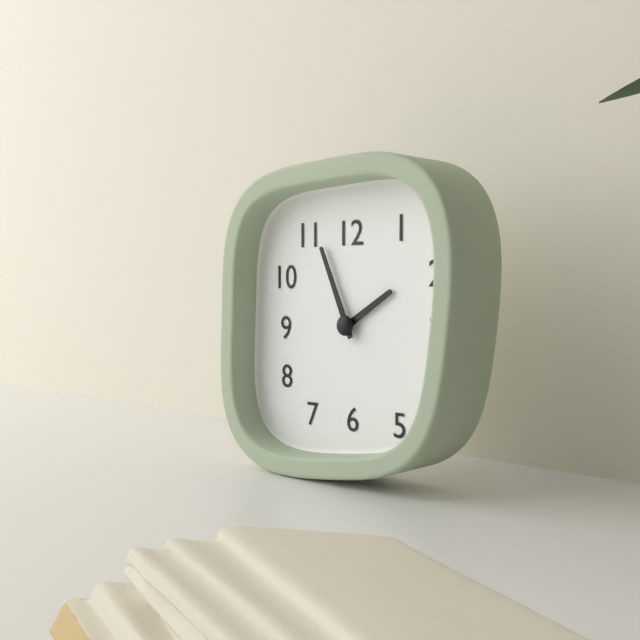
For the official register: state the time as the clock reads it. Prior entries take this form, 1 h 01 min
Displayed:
1 h 56 min
